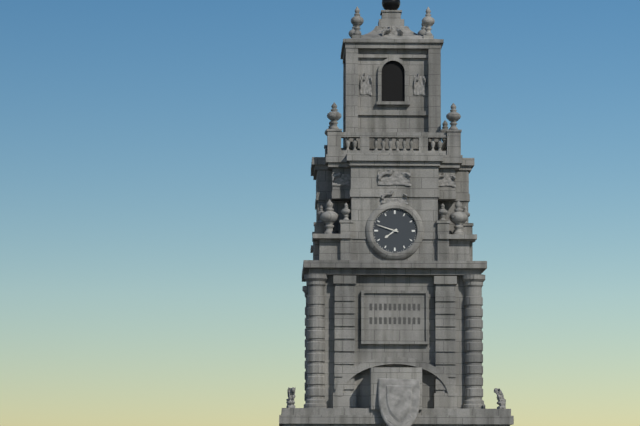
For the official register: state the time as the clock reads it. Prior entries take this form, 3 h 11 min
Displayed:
7 h 48 min
